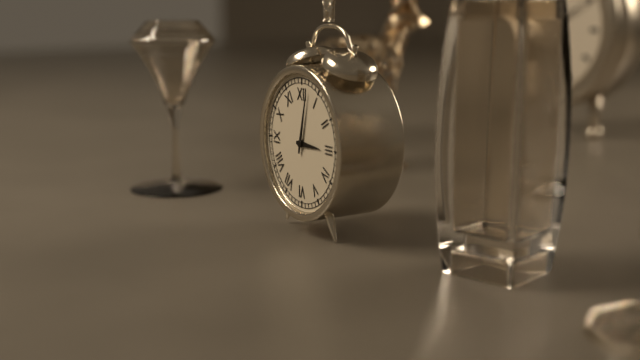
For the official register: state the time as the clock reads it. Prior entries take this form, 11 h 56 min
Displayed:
3 h 02 min
